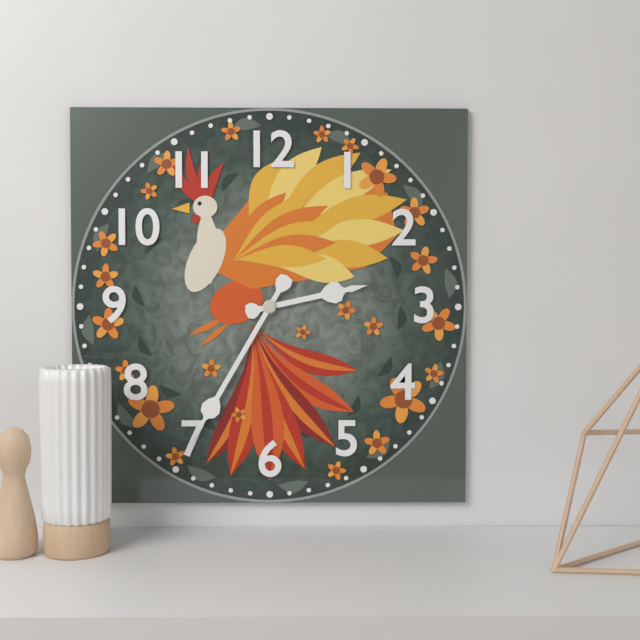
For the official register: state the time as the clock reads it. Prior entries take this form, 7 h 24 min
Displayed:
2 h 35 min
